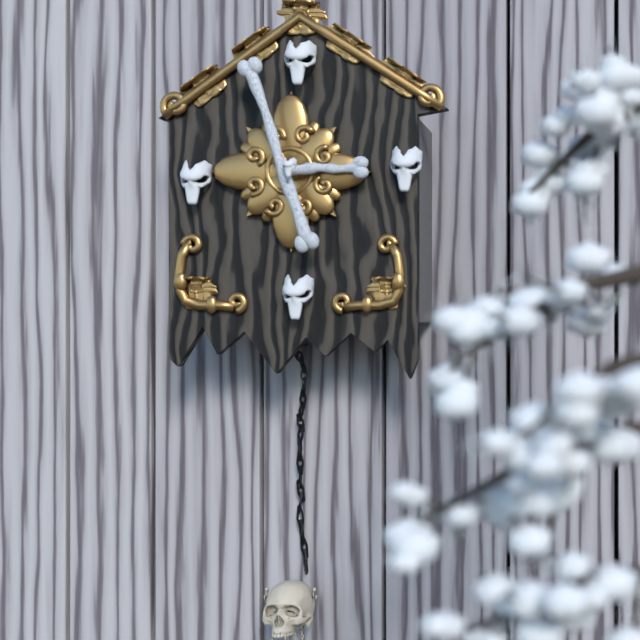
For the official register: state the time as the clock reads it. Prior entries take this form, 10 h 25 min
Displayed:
2 h 57 min
